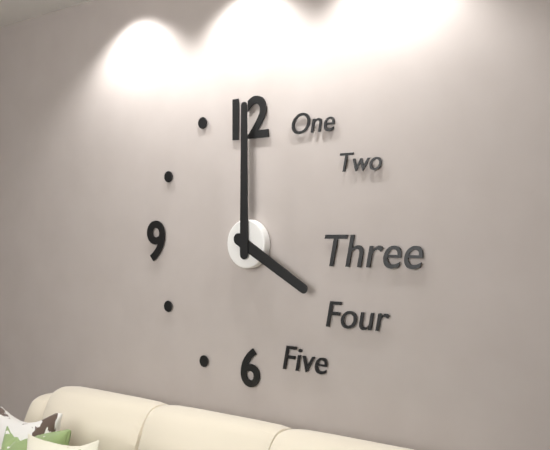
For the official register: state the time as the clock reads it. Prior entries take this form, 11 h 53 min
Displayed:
4 h 00 min
